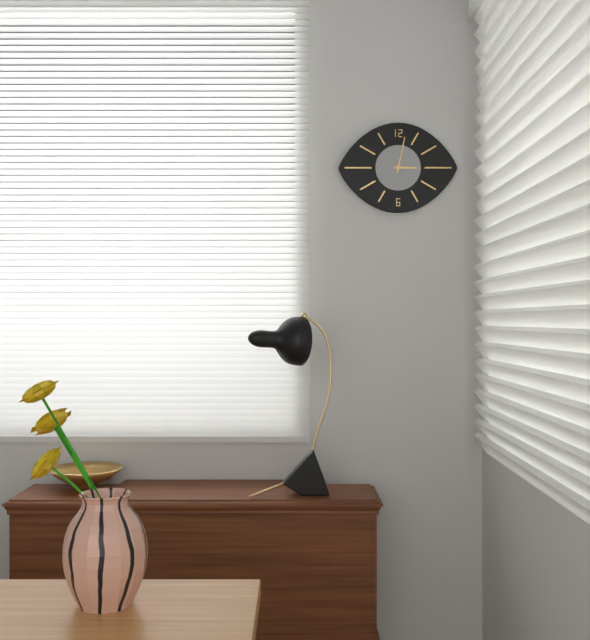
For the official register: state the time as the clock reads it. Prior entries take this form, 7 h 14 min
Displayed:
3 h 02 min
